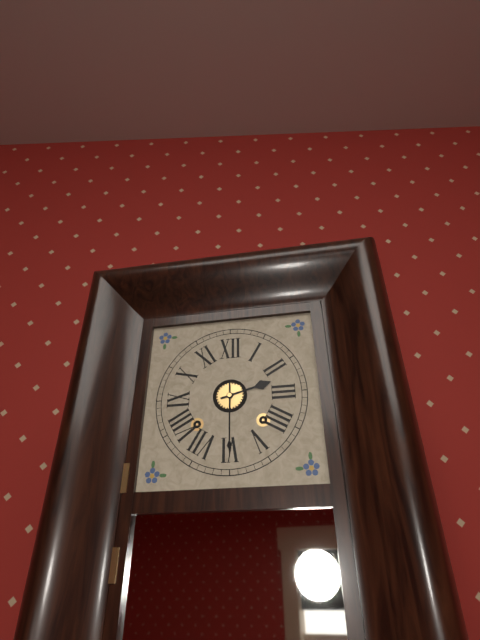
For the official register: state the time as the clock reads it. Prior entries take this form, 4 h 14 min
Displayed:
2 h 30 min
